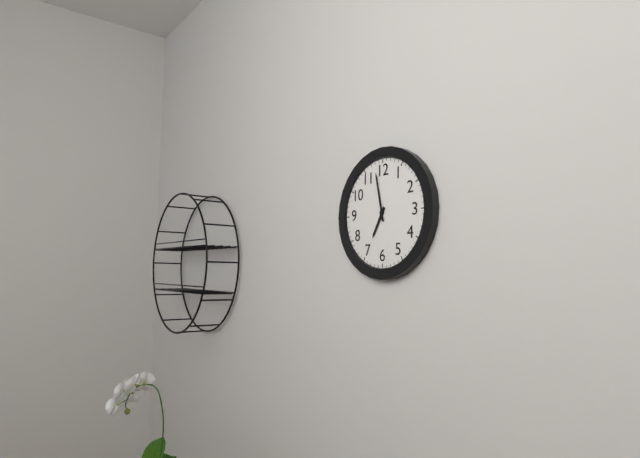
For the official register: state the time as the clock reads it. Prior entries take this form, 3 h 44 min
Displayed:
6 h 58 min
